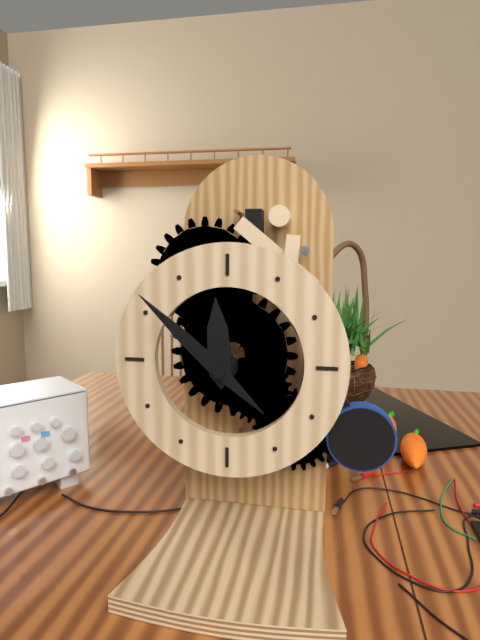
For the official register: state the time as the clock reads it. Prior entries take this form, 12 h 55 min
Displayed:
11 h 52 min
